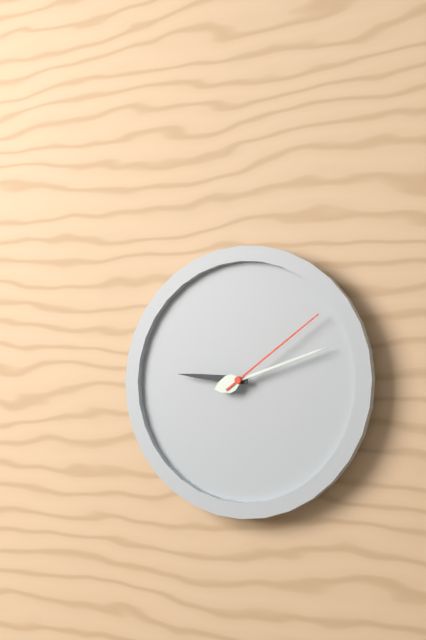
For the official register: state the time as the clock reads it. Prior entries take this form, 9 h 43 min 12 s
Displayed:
9 h 12 min 09 s
